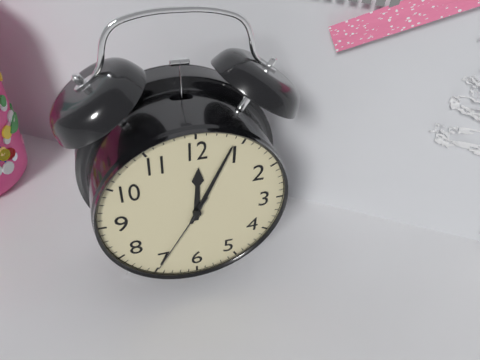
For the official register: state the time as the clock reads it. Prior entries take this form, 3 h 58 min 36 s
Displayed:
12 h 04 min 35 s
